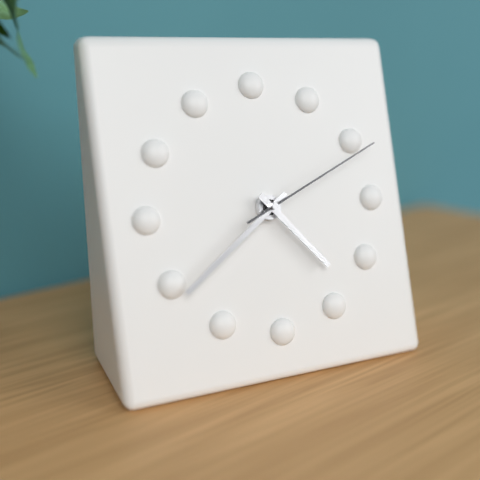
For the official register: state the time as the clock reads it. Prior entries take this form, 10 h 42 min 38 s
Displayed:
4 h 39 min 11 s
